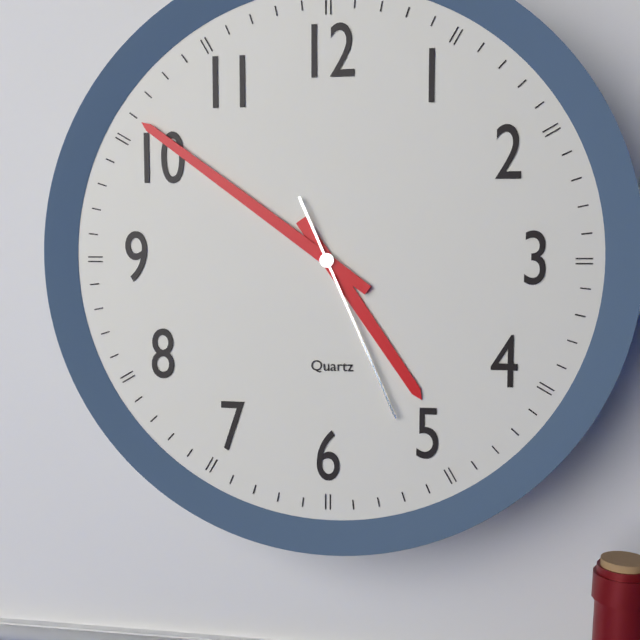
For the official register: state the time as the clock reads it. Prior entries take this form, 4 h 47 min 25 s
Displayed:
4 h 51 min 26 s
